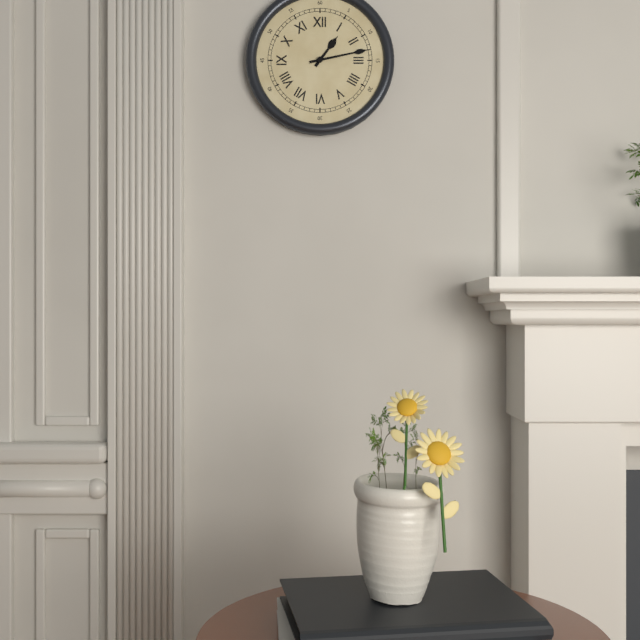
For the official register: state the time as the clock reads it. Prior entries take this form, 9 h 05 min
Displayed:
1 h 13 min
